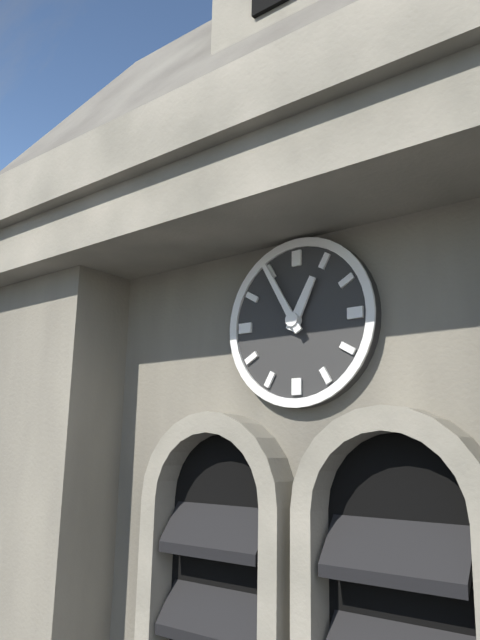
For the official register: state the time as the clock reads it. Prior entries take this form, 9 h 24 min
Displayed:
12 h 55 min
